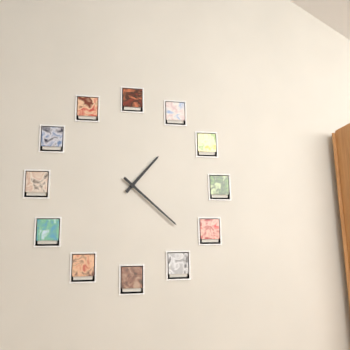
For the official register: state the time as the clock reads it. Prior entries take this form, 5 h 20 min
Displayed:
1 h 22 min
